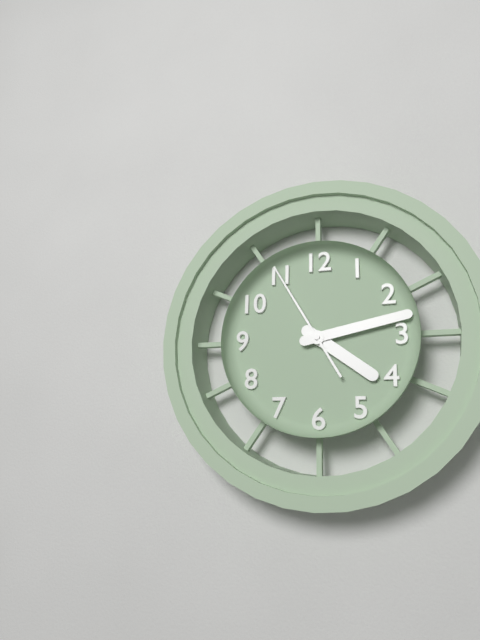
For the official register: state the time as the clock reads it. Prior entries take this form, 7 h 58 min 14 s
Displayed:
4 h 13 min 55 s
